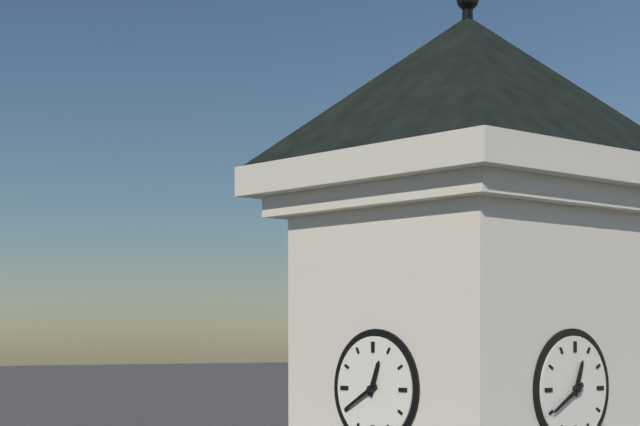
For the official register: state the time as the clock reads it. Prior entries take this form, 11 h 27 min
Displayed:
12 h 40 min
